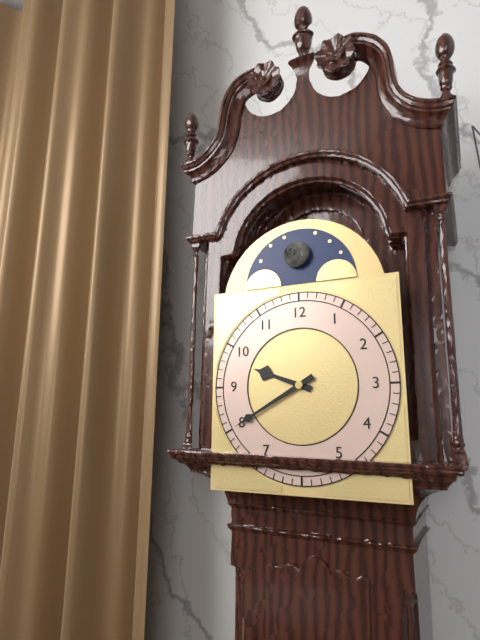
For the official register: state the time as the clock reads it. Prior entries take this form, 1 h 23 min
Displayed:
9 h 40 min
